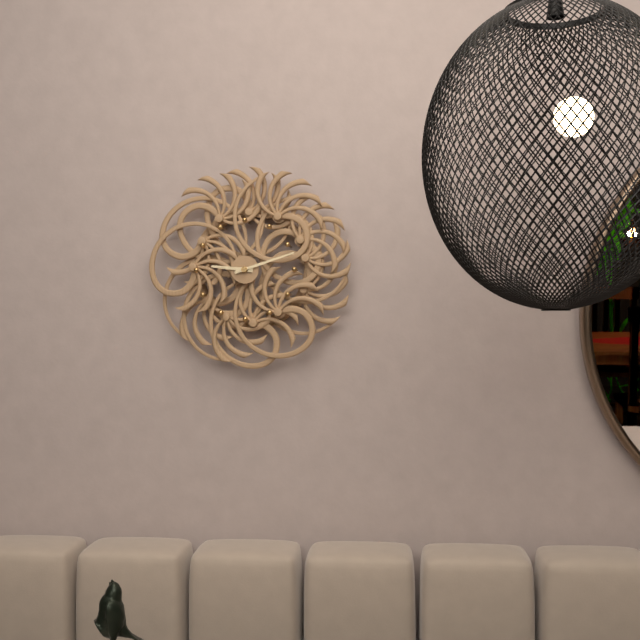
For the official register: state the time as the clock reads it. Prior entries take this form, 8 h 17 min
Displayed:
9 h 12 min
